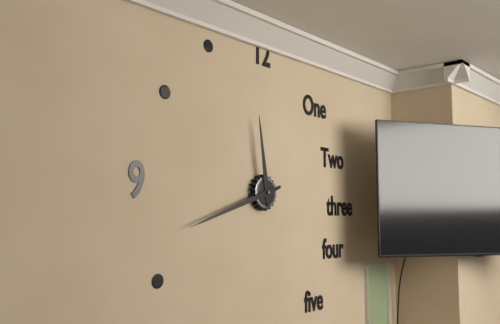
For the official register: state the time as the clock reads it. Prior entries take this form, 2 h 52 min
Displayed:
11 h 42 min
